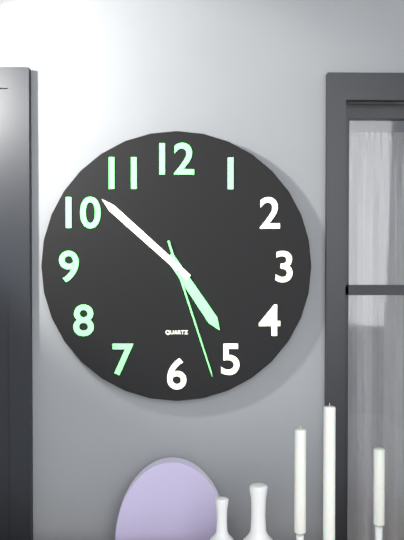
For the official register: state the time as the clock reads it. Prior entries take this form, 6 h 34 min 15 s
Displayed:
4 h 52 min 27 s
